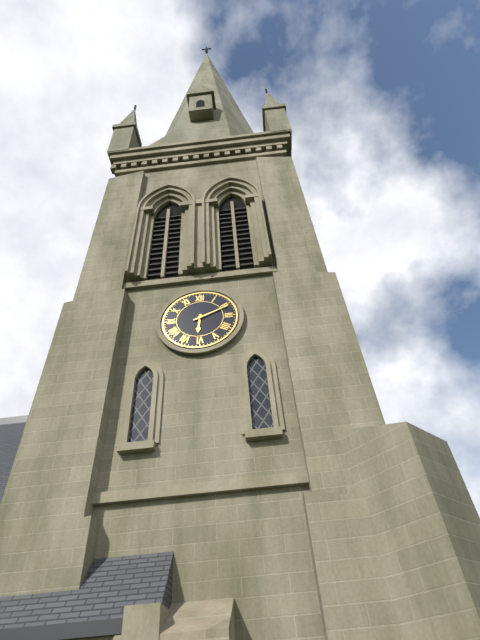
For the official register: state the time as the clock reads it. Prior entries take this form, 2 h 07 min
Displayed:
6 h 11 min
